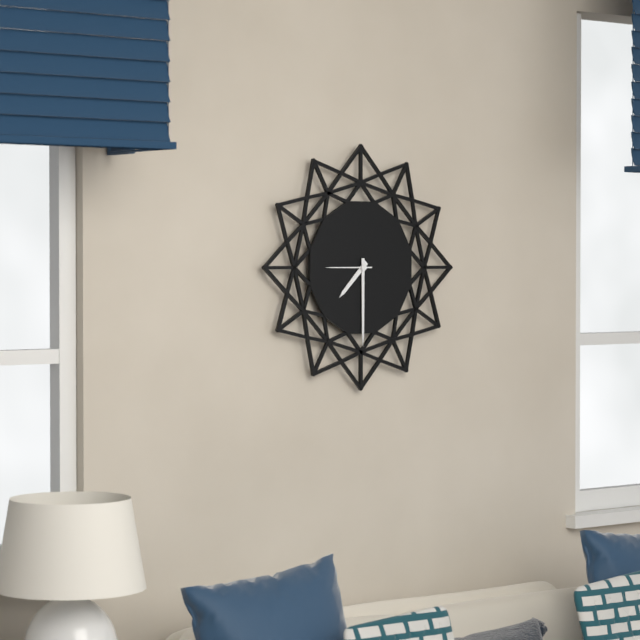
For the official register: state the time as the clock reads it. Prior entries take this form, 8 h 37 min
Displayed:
7 h 30 min
